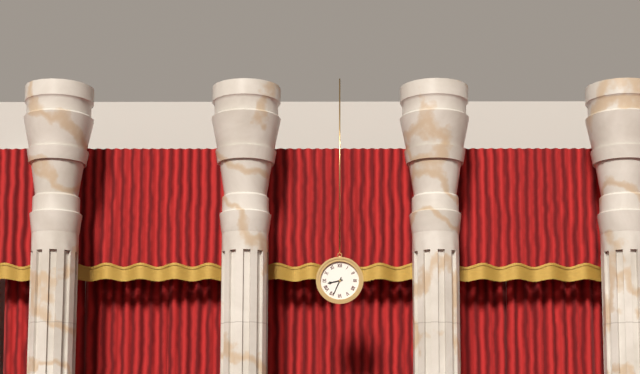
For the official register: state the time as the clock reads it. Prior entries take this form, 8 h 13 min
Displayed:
8 h 34 min
